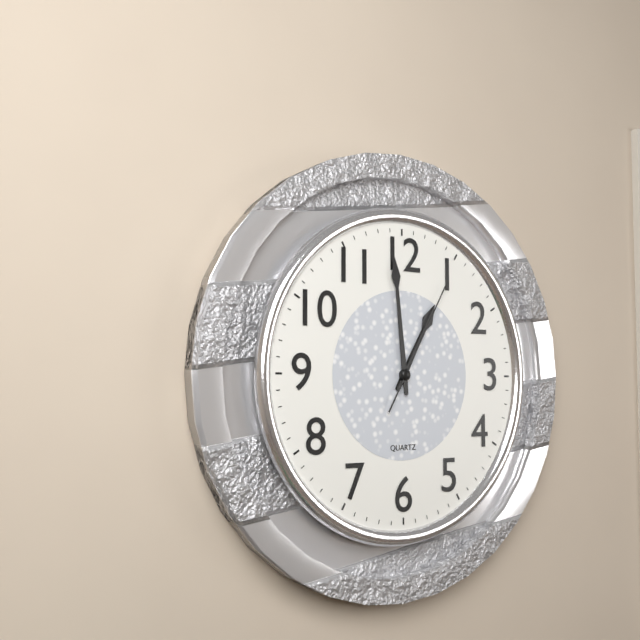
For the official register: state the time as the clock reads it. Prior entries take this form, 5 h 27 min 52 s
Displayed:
12 h 59 min 05 s
